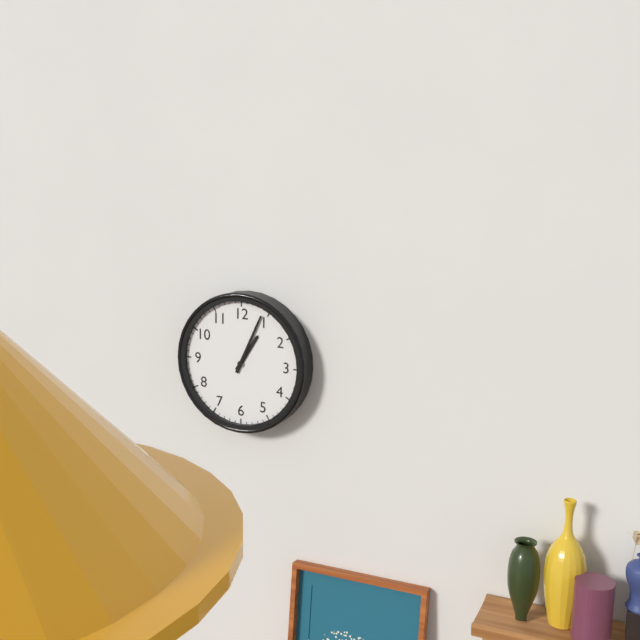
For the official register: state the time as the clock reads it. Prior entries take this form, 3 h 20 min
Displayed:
1 h 04 min
